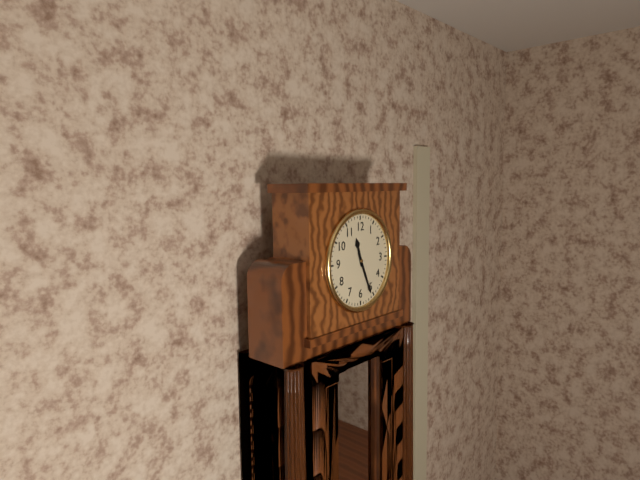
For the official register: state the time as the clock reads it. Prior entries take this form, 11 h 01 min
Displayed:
11 h 26 min
